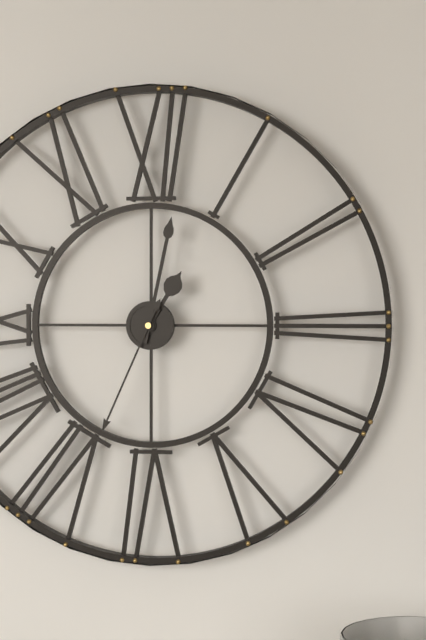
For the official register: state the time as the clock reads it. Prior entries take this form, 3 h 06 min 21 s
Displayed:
1 h 02 min 34 s
